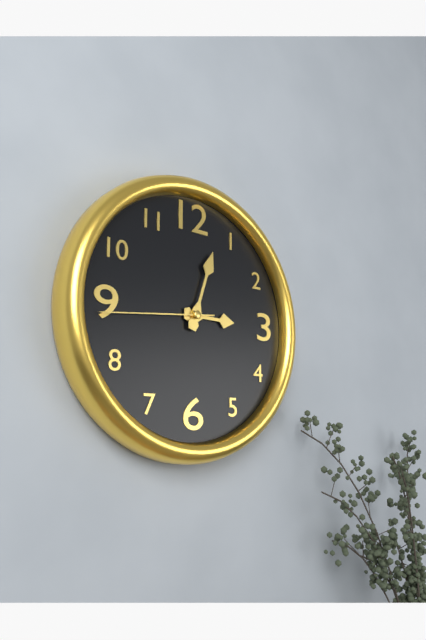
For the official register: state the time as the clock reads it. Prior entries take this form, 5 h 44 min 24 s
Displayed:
3 h 03 min 44 s
